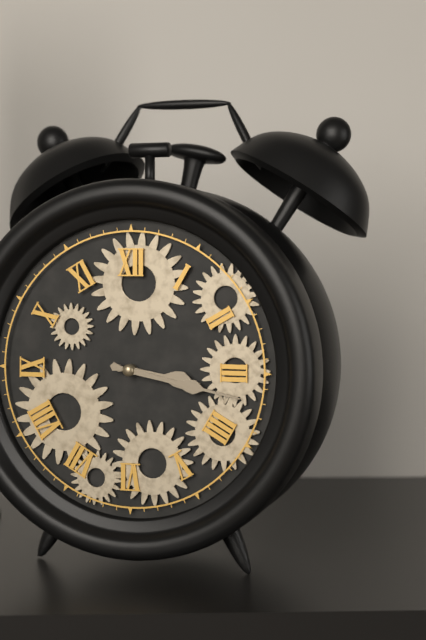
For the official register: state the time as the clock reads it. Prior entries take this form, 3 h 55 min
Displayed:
3 h 17 min
